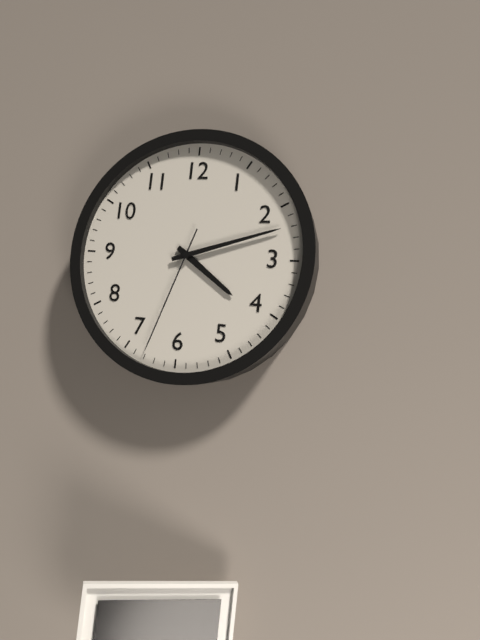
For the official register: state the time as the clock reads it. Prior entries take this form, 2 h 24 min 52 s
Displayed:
4 h 12 min 33 s
